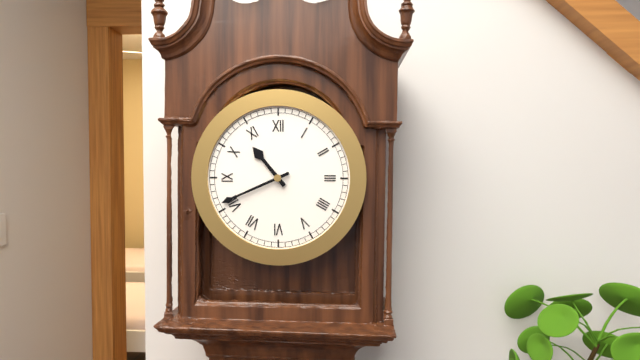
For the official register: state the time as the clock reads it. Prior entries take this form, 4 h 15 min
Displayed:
10 h 41 min
